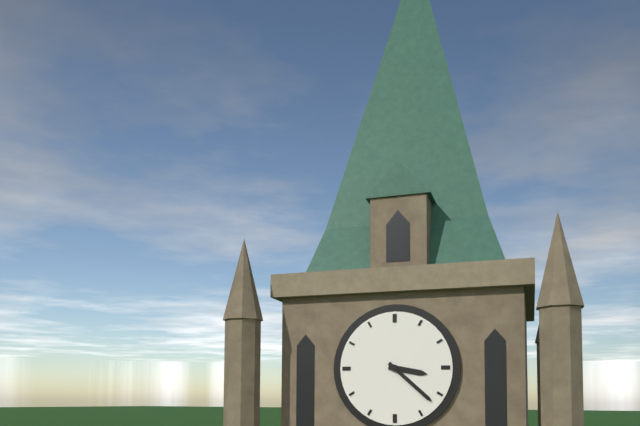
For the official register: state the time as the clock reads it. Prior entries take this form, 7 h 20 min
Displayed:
3 h 22 min
